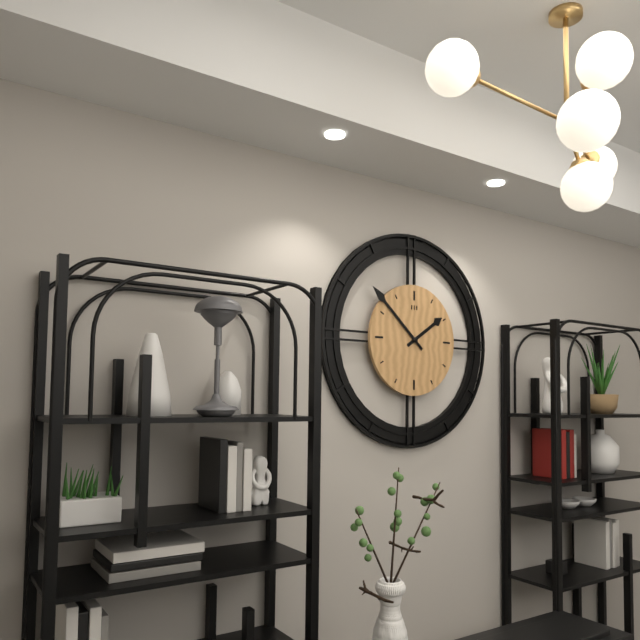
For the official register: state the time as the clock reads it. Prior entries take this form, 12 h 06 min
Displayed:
1 h 52 min
